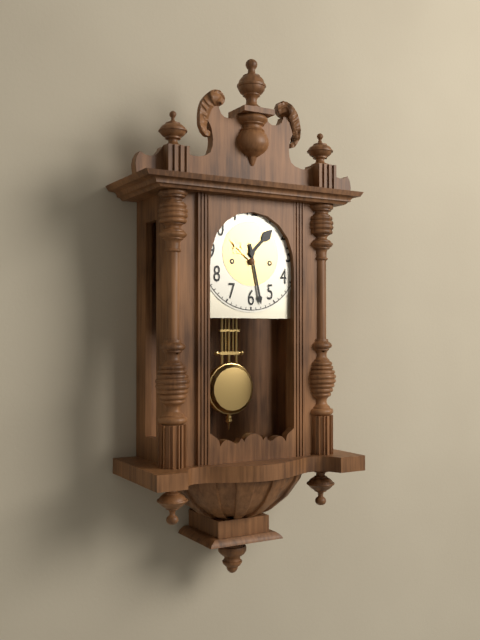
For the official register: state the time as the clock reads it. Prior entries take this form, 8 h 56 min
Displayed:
1 h 28 min
